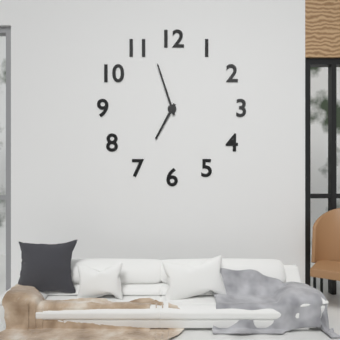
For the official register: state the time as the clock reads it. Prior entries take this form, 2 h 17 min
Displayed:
6 h 57 min
